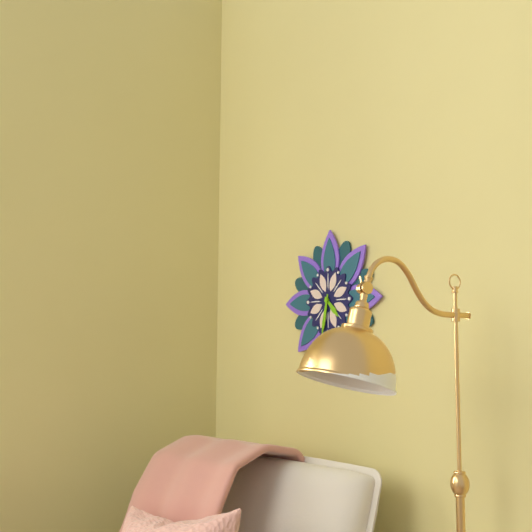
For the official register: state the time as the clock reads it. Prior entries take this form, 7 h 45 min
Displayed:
4 h 32 min
